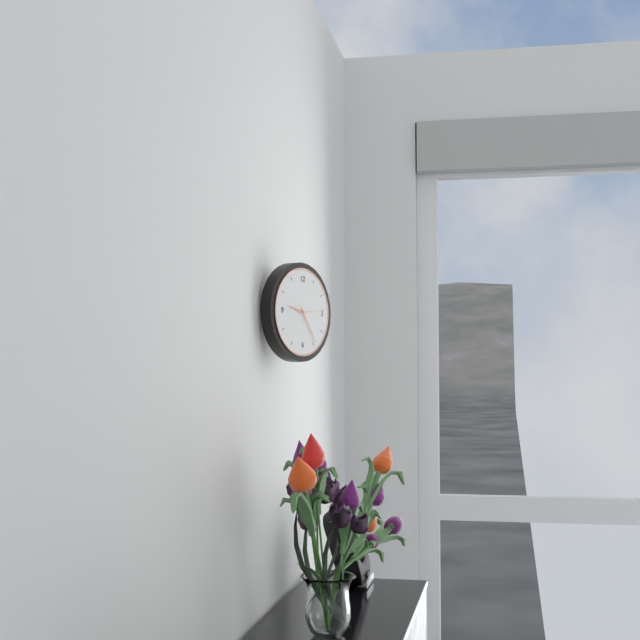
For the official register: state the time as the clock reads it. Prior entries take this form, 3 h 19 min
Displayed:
9 h 24 min
